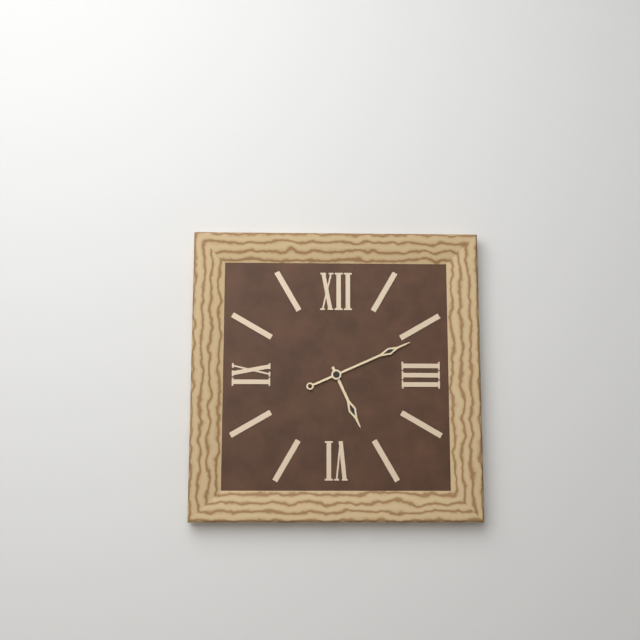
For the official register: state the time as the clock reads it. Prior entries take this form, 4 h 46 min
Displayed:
5 h 11 min
